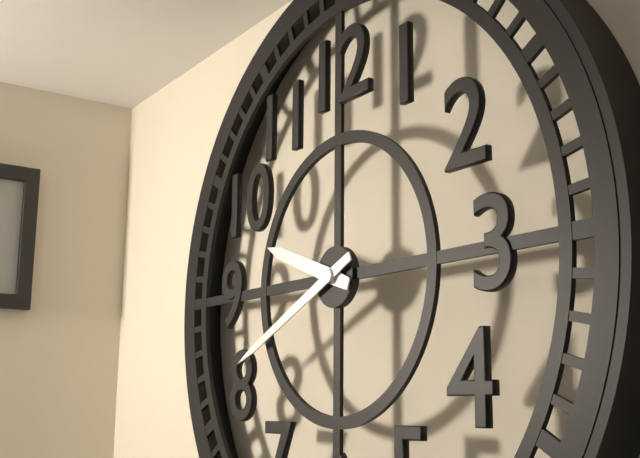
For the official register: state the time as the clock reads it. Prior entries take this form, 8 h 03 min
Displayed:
9 h 41 min
